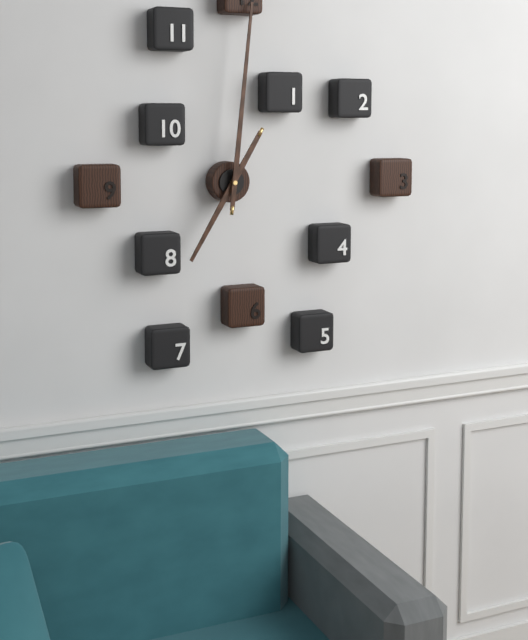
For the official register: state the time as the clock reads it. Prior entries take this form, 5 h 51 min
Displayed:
7 h 01 min
